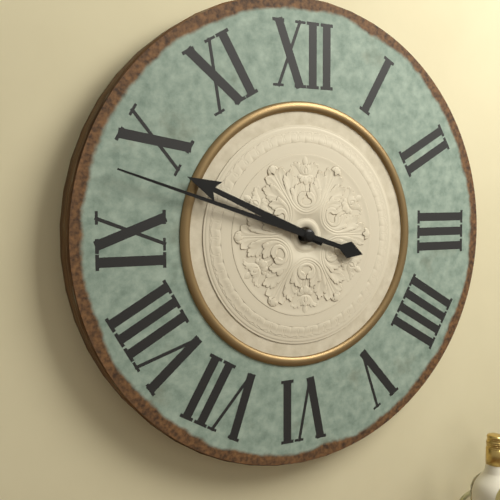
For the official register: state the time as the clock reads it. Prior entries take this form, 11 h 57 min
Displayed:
9 h 48 min
